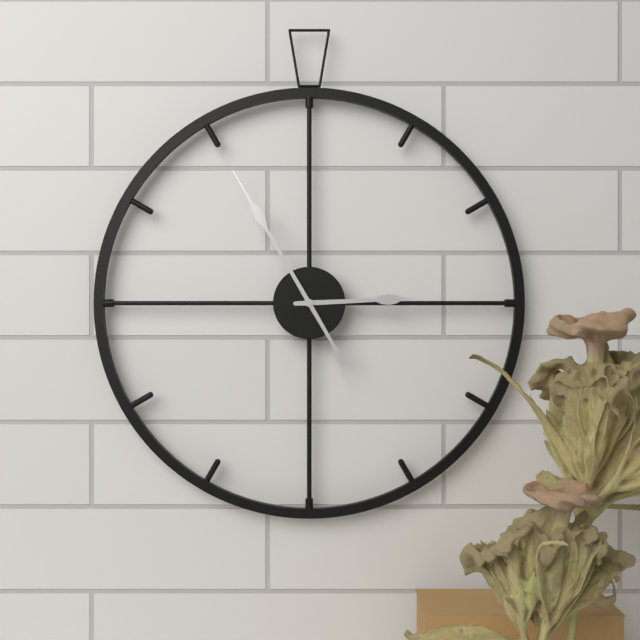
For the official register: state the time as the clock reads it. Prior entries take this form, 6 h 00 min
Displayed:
2 h 55 min
